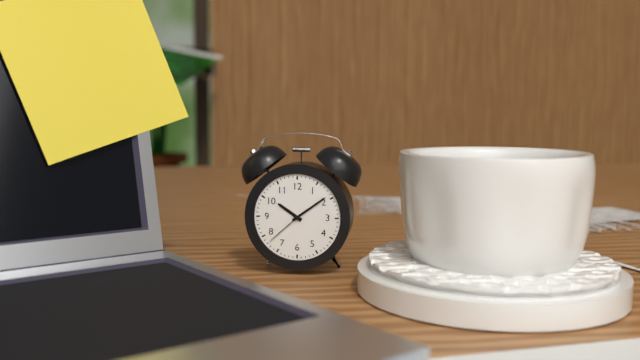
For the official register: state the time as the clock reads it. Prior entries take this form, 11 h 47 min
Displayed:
10 h 09 min
